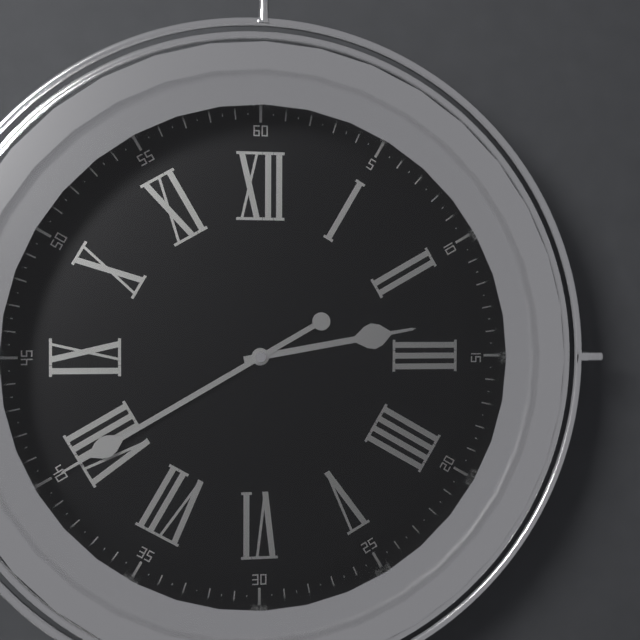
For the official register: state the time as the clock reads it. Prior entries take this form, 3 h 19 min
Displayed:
2 h 40 min
